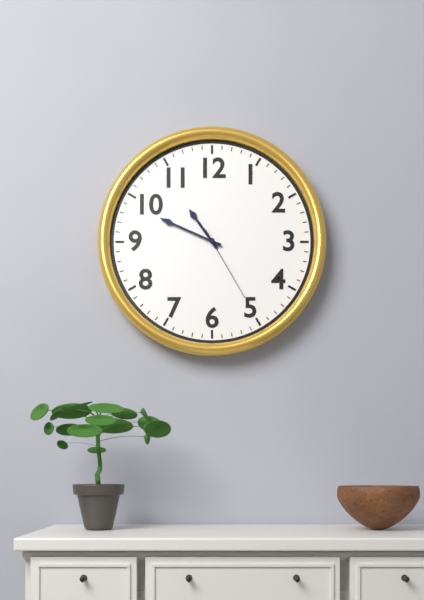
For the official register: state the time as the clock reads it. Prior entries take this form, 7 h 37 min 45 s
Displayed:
10 h 49 min 25 s
